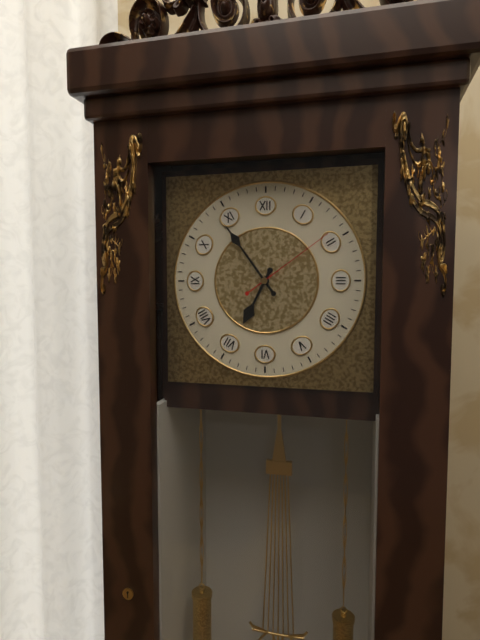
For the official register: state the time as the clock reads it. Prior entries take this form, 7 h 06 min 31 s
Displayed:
6 h 54 min 09 s
